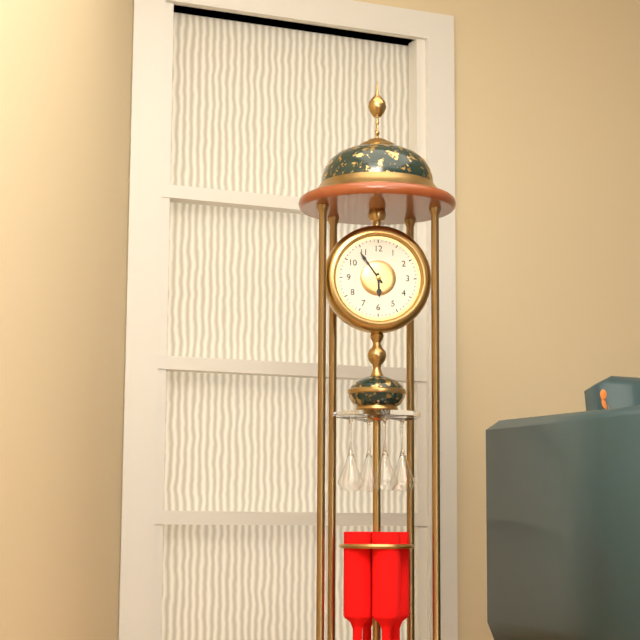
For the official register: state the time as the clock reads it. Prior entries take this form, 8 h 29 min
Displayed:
5 h 54 min
